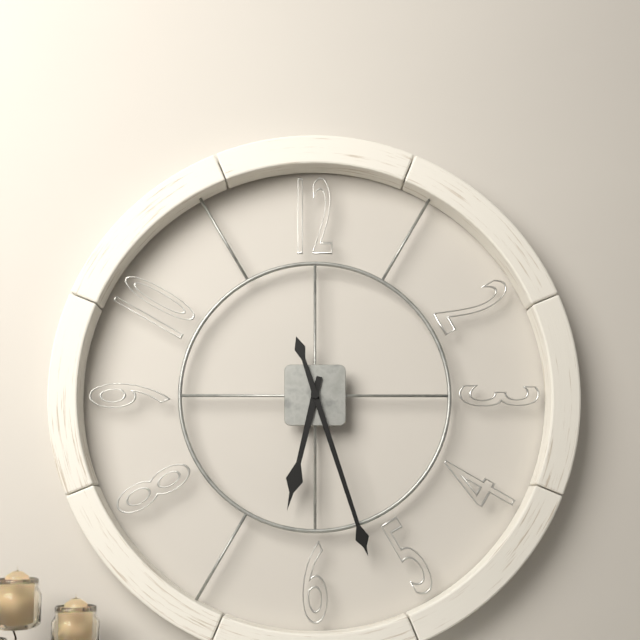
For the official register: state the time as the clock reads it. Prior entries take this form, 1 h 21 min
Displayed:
6 h 27 min
